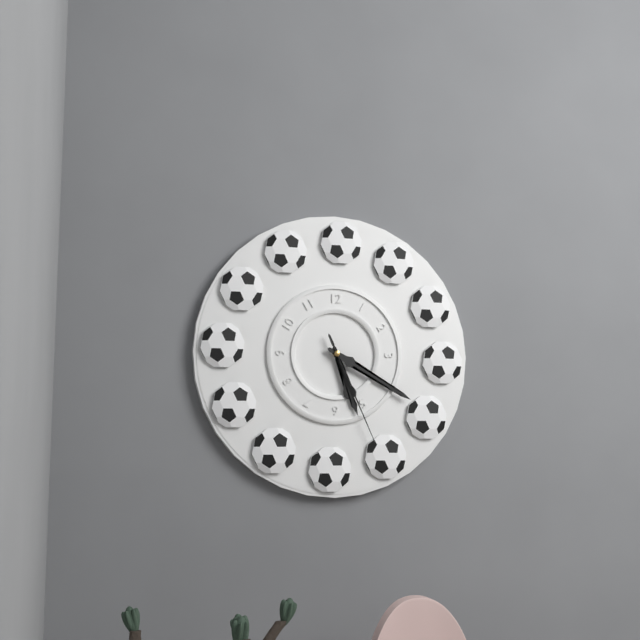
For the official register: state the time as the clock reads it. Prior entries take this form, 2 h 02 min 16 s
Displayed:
5 h 20 min 26 s
